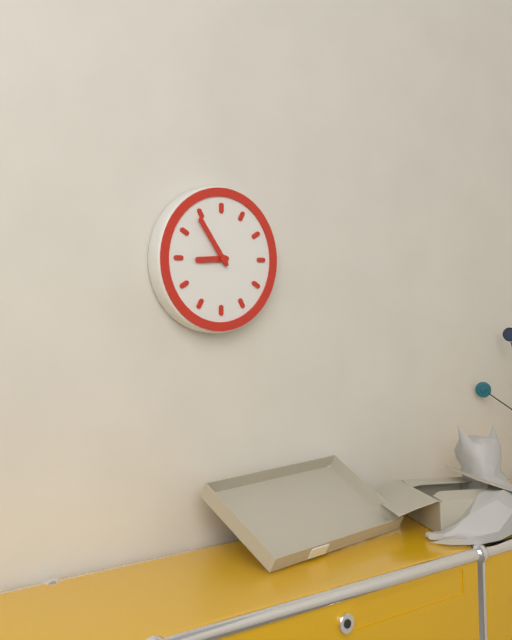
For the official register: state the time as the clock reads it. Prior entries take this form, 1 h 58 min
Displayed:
8 h 54 min
